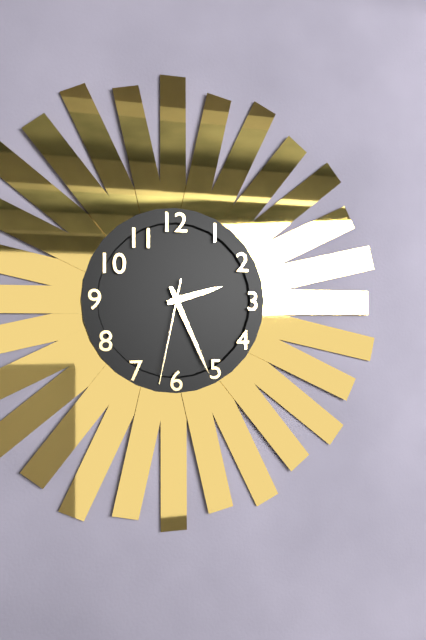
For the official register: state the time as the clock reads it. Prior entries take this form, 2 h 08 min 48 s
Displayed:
2 h 26 min 32 s
